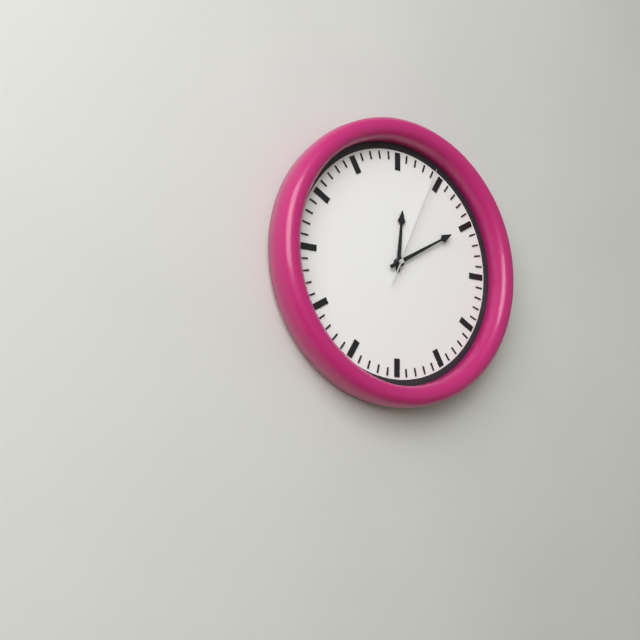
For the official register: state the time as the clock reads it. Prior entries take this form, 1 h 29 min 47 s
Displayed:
12 h 10 min 04 s
